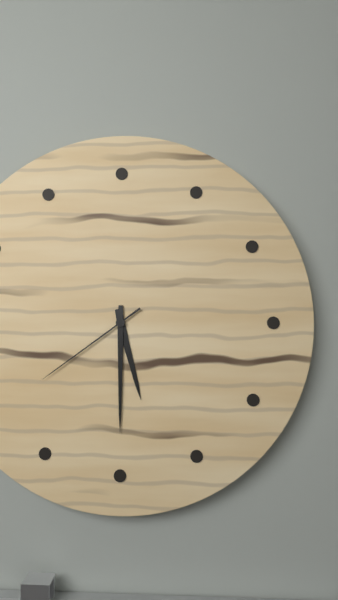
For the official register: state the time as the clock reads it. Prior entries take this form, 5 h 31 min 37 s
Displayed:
5 h 30 min 39 s
